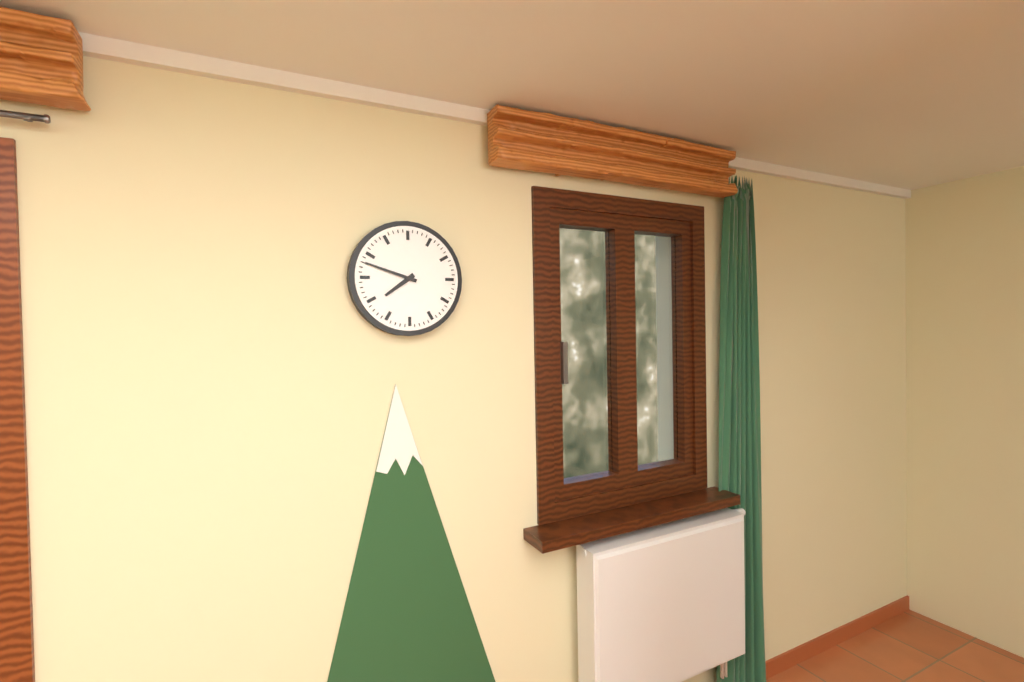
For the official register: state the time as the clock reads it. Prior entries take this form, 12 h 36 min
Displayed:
7 h 48 min
